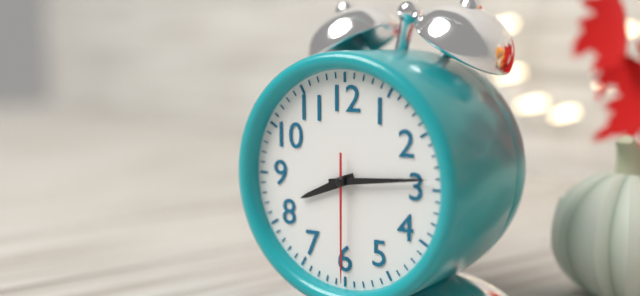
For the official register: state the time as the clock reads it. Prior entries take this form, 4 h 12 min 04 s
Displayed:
8 h 14 min 30 s
